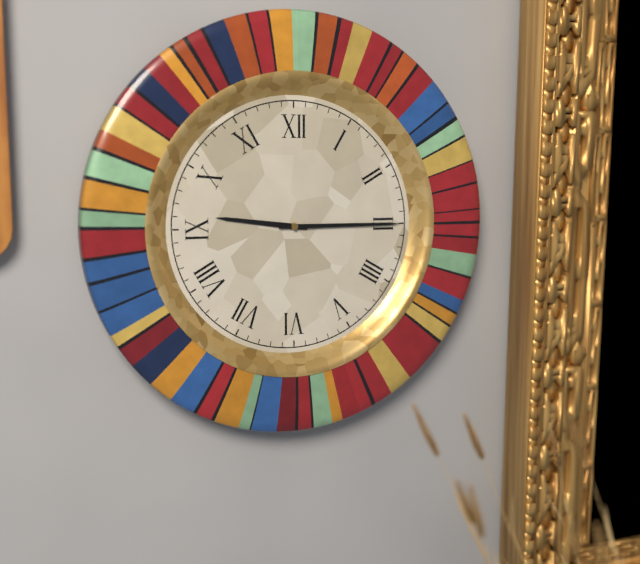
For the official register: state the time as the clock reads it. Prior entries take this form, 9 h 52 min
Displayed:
9 h 15 min
